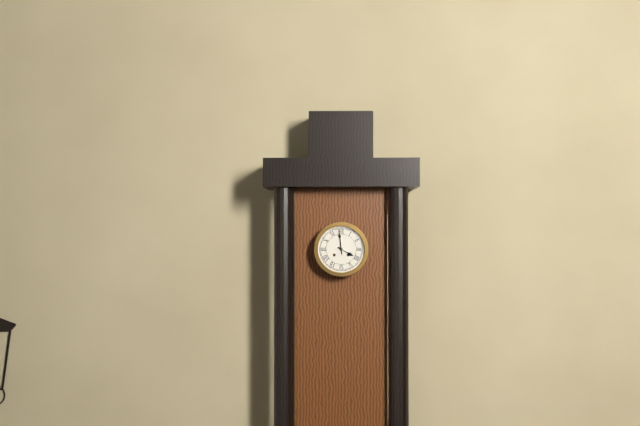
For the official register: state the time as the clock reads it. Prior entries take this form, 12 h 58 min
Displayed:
3 h 59 min
